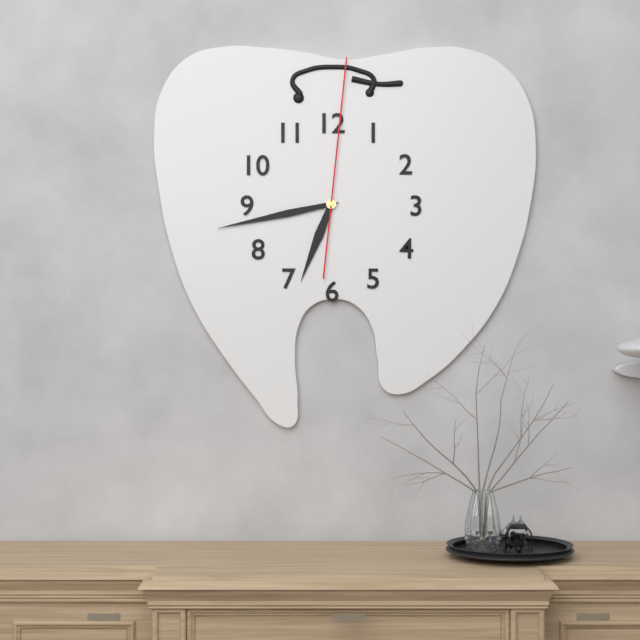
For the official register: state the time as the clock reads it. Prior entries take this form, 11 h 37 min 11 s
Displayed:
6 h 43 min 01 s
